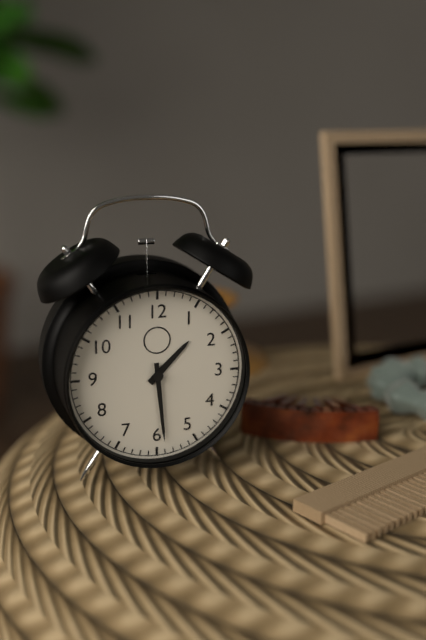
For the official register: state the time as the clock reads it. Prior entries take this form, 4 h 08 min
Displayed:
1 h 29 min
